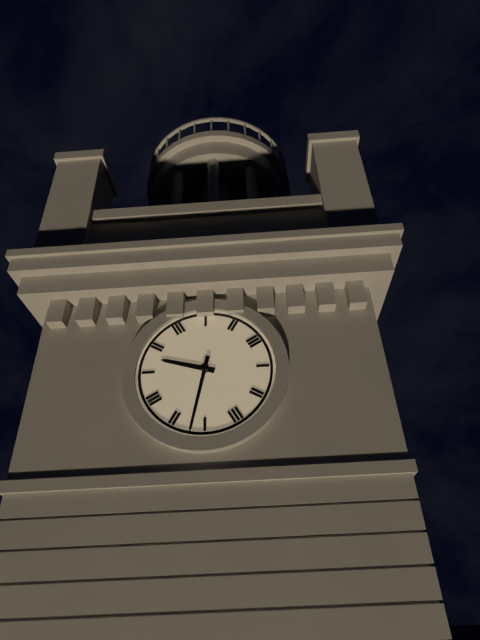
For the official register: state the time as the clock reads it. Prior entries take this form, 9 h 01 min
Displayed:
9 h 32 min
